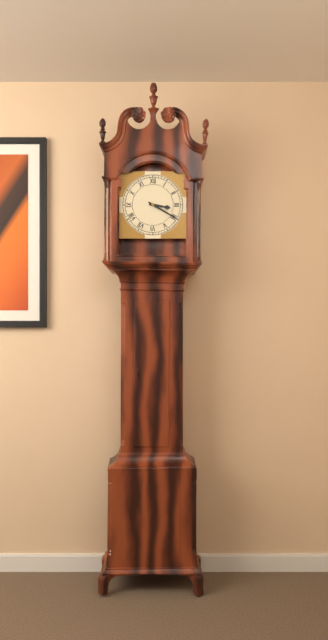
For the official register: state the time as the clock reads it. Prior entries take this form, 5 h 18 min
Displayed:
3 h 20 min
